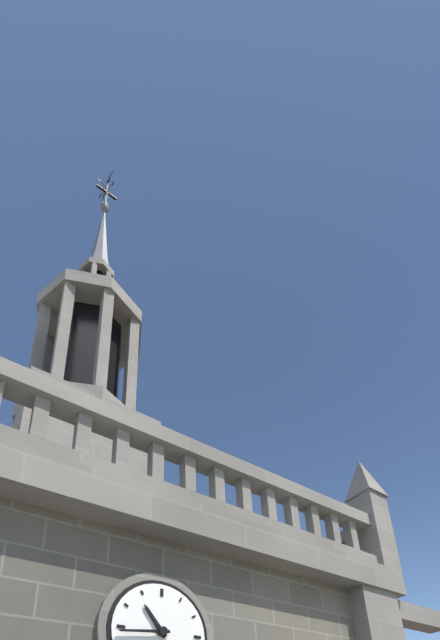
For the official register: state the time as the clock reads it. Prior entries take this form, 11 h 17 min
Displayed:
10 h 44 min
